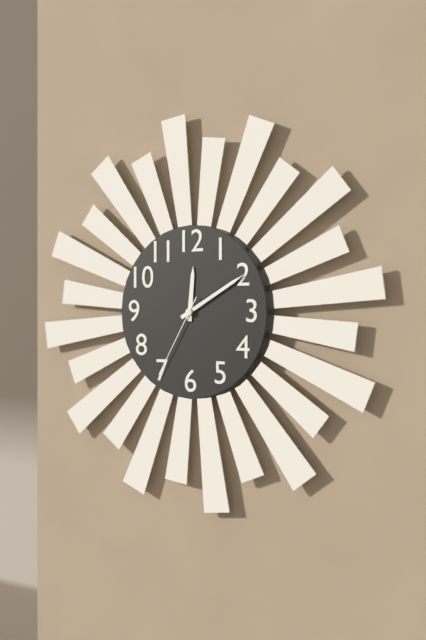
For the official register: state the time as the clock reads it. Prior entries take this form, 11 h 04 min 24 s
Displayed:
12 h 10 min 35 s
